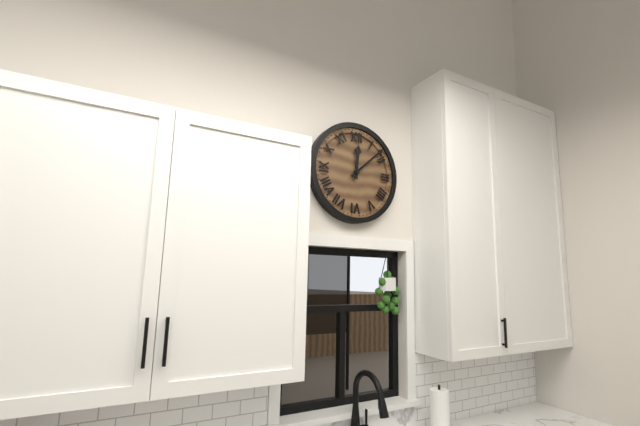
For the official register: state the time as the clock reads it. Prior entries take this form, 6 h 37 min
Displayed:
12 h 08 min
